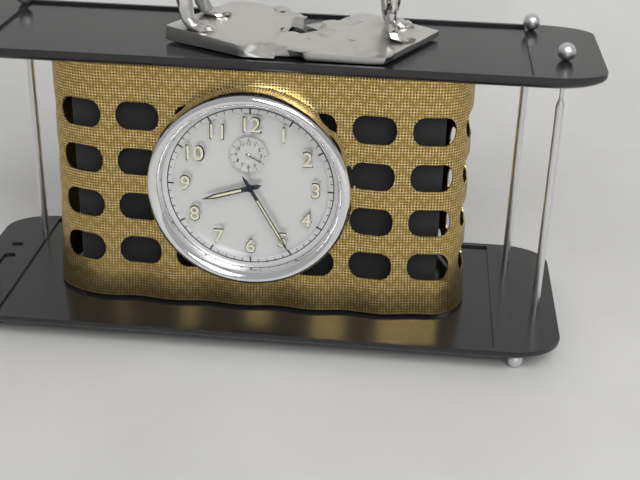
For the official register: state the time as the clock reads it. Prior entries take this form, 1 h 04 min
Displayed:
8 h 25 min
